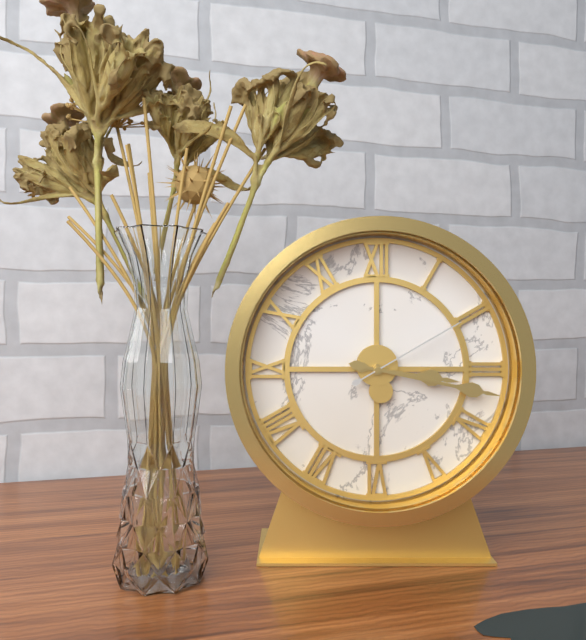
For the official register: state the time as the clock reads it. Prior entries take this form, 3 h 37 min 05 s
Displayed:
3 h 17 min 10 s
